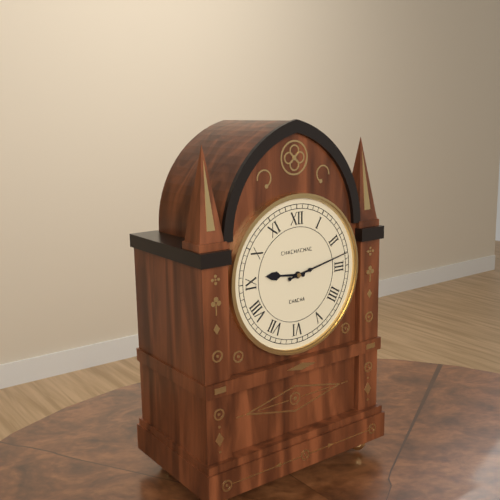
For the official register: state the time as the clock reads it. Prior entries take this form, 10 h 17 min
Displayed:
9 h 13 min
